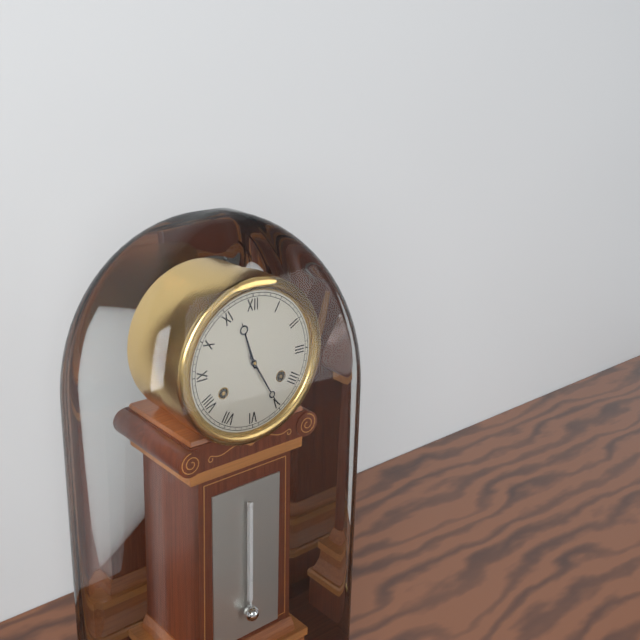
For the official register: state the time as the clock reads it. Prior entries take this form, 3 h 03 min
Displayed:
11 h 25 min
